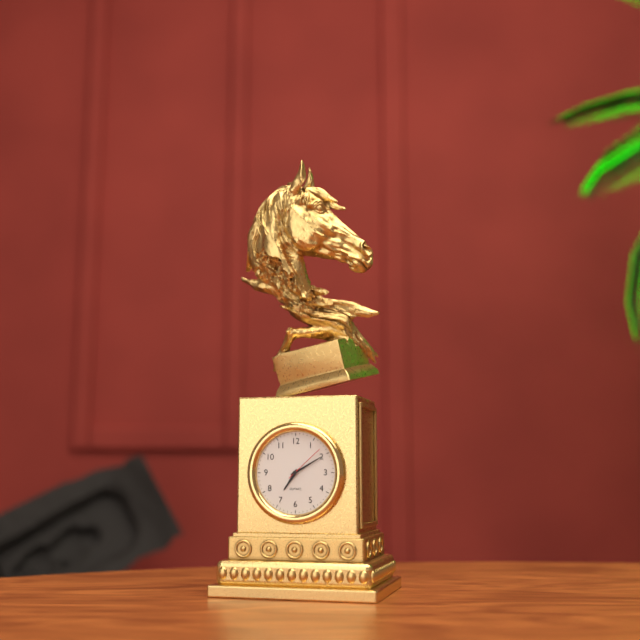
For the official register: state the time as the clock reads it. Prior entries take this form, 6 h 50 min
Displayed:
7 h 10 min
